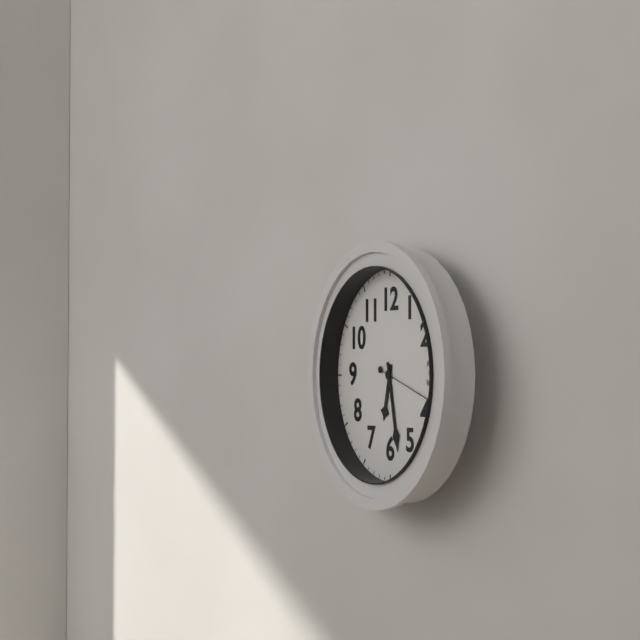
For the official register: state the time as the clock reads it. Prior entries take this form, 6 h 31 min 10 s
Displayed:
6 h 28 min 18 s
